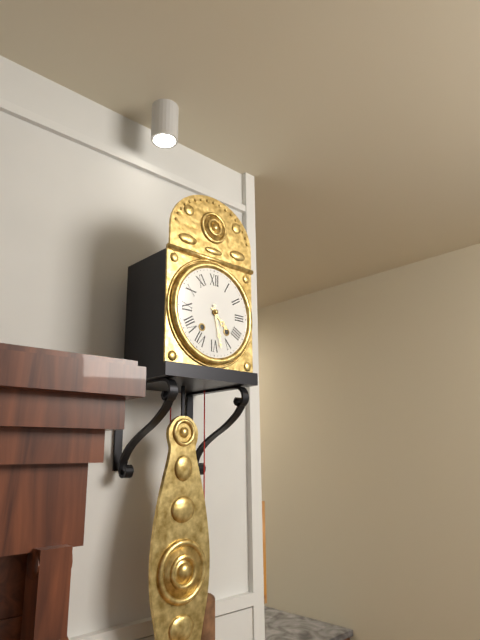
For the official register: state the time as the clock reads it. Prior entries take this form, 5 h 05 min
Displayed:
4 h 28 min
